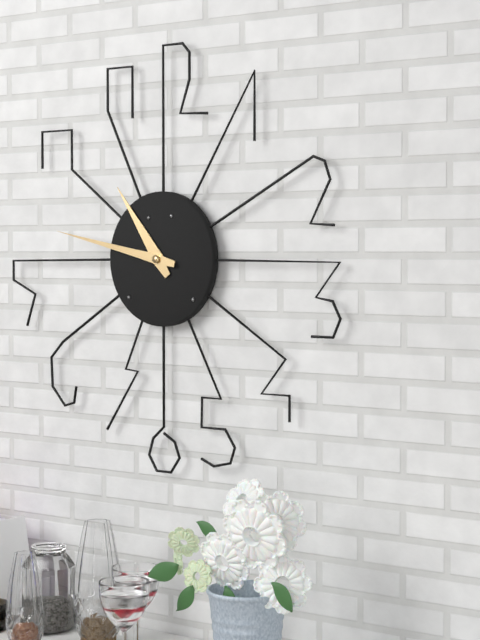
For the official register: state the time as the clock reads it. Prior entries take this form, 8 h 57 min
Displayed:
10 h 47 min
